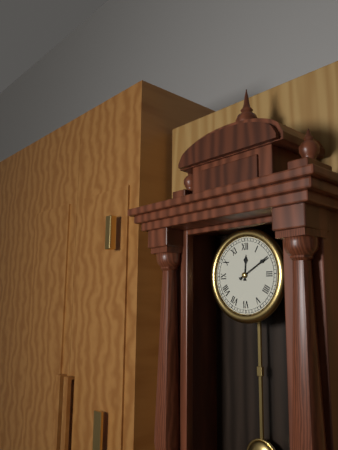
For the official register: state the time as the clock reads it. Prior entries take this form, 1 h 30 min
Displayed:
12 h 10 min
